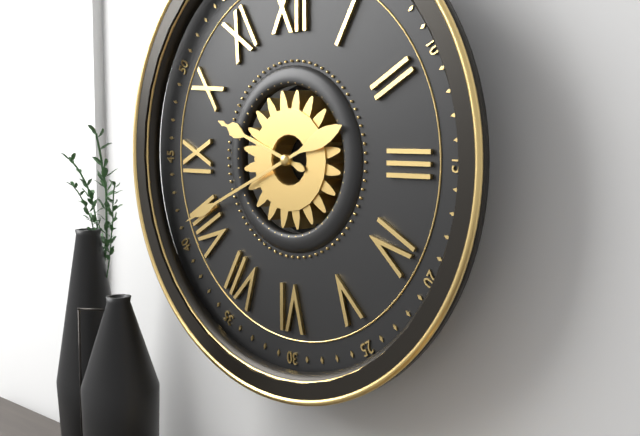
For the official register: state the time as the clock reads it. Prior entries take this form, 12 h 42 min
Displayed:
9 h 41 min
